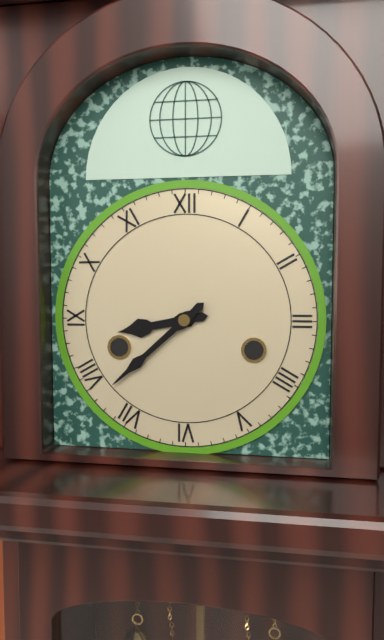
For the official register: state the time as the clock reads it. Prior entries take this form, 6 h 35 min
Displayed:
8 h 38 min
